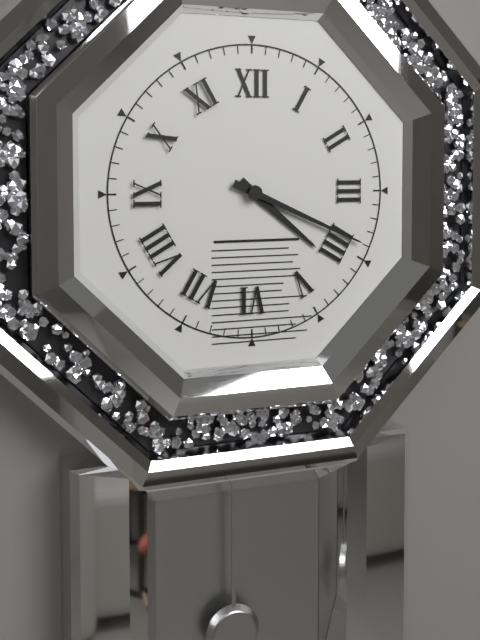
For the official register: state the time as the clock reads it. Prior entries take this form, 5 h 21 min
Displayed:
4 h 19 min
